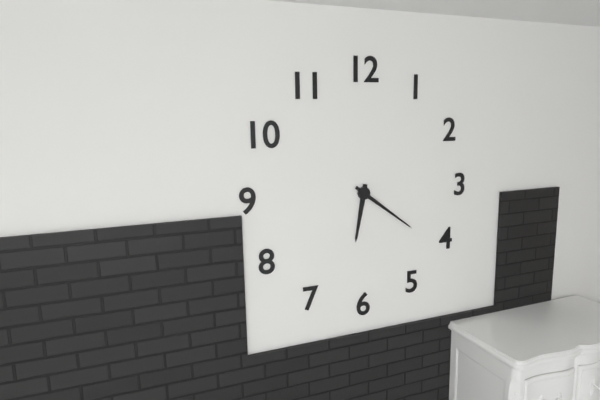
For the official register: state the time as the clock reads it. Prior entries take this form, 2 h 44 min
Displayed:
6 h 21 min
